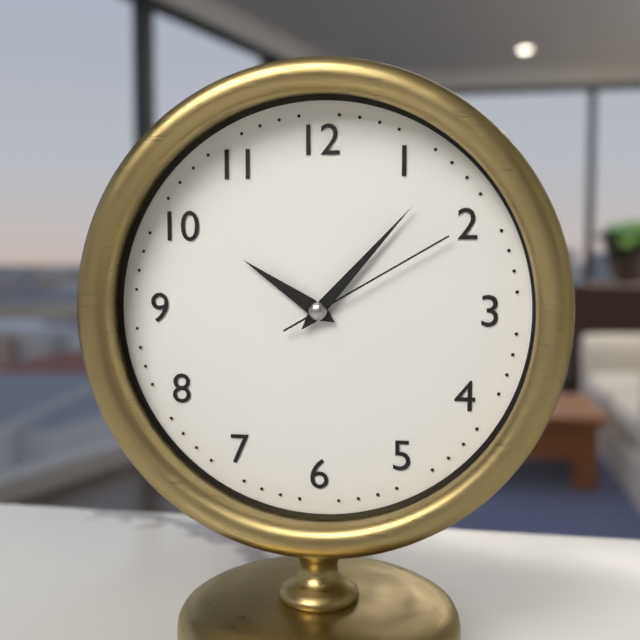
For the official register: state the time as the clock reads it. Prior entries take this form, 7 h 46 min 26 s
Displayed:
10 h 07 min 10 s
